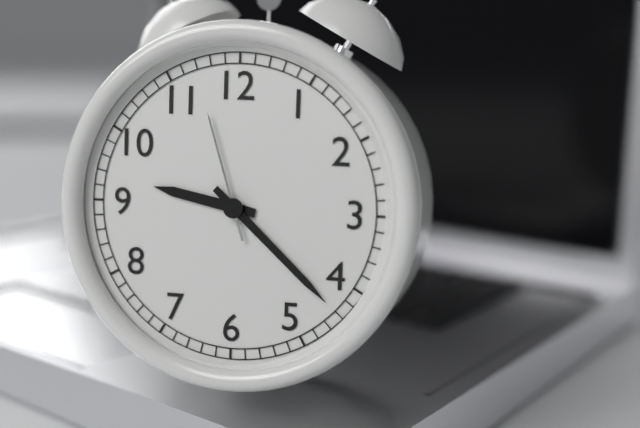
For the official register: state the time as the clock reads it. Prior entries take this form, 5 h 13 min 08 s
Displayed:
9 h 22 min 57 s
